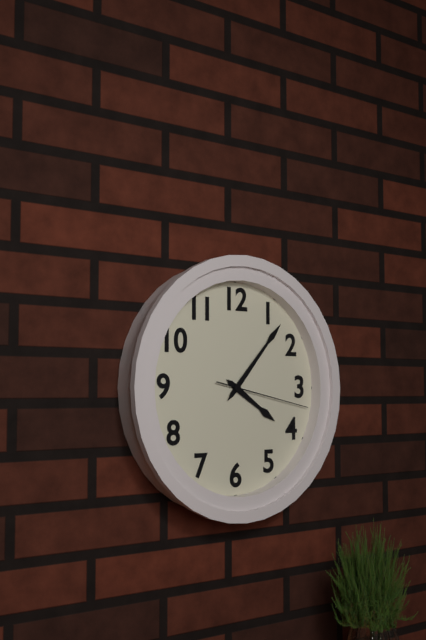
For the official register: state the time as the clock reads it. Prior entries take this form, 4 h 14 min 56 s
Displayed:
4 h 07 min 17 s
